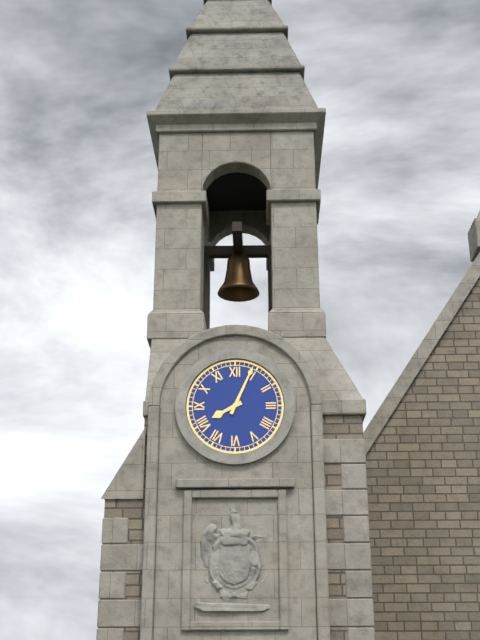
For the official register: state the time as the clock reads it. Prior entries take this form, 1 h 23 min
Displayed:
8 h 04 min
